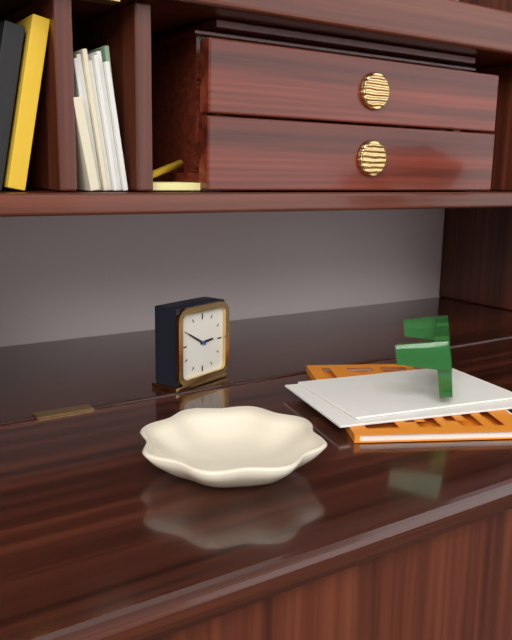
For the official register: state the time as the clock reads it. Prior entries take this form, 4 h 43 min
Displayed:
2 h 50 min
